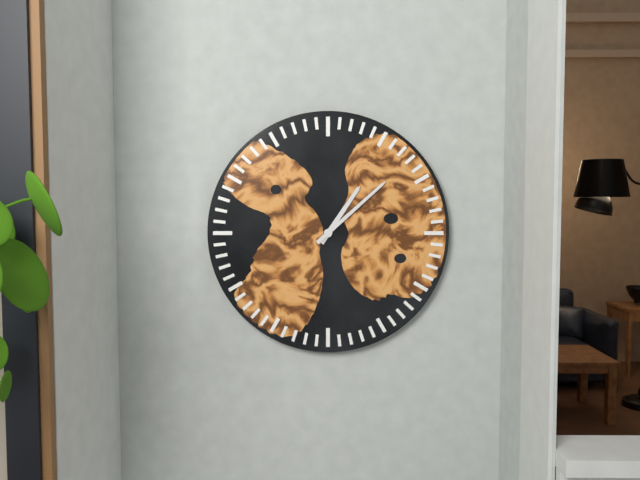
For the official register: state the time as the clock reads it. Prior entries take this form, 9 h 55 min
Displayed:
1 h 08 min
